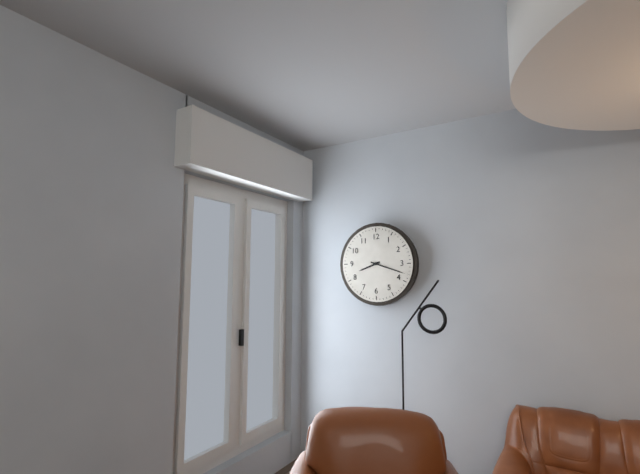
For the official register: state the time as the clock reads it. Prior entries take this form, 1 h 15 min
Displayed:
8 h 18 min
